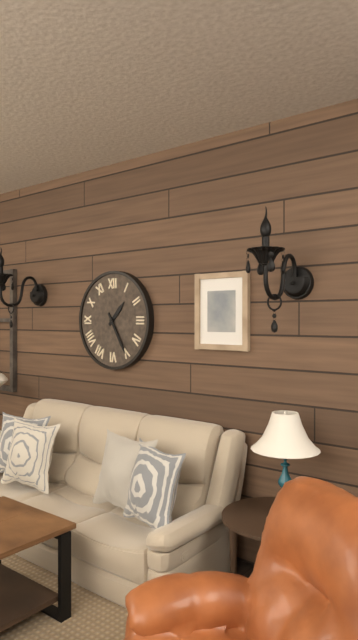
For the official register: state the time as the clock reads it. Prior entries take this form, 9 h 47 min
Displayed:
1 h 25 min
